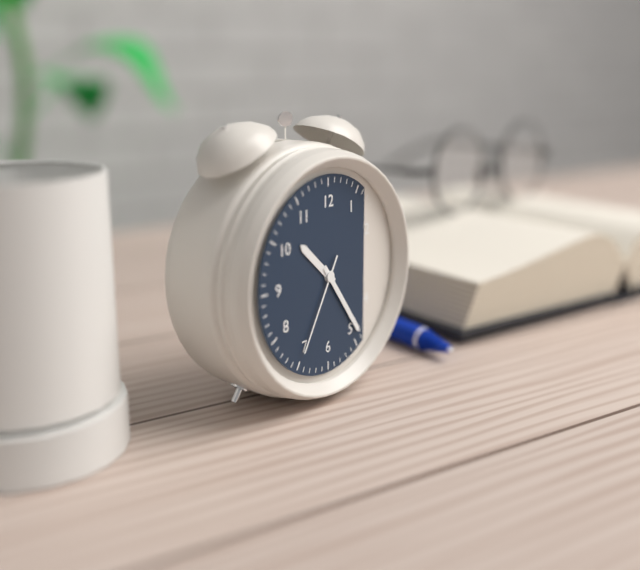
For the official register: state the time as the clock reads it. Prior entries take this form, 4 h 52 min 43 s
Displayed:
10 h 24 min 35 s
